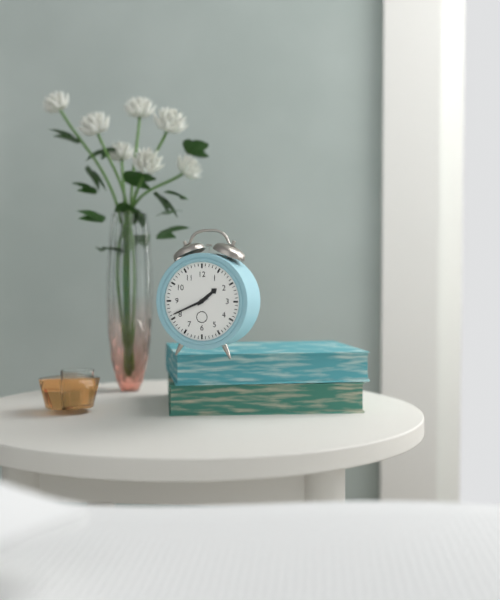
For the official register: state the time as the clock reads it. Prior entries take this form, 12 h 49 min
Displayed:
1 h 41 min
